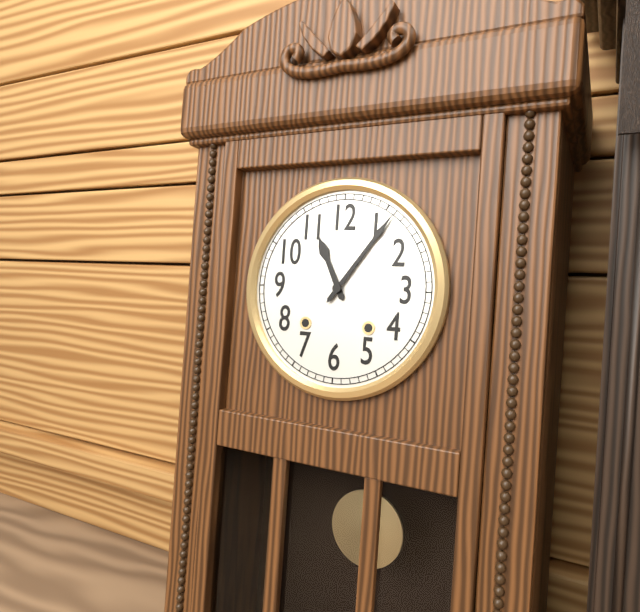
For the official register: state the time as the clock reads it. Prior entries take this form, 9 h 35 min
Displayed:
11 h 06 min
